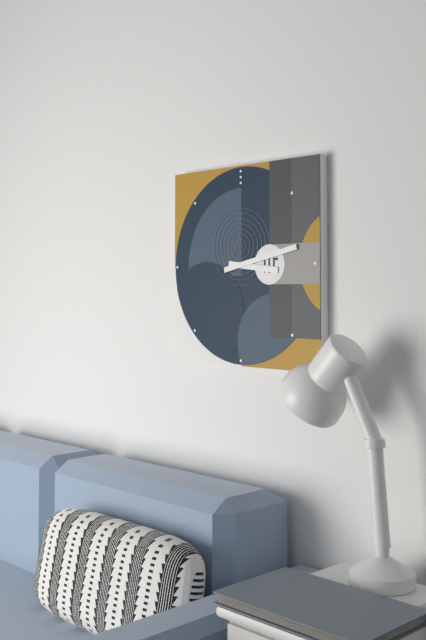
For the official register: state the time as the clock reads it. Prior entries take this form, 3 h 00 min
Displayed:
3 h 13 min
